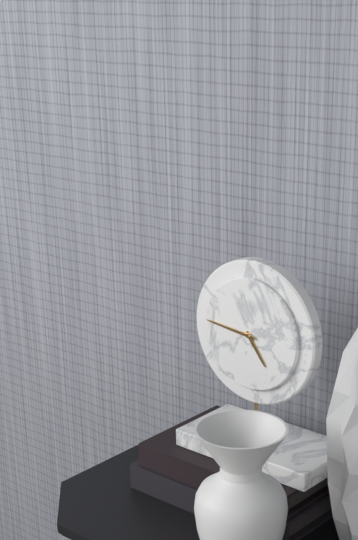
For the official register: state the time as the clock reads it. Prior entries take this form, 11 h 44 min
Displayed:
4 h 46 min
